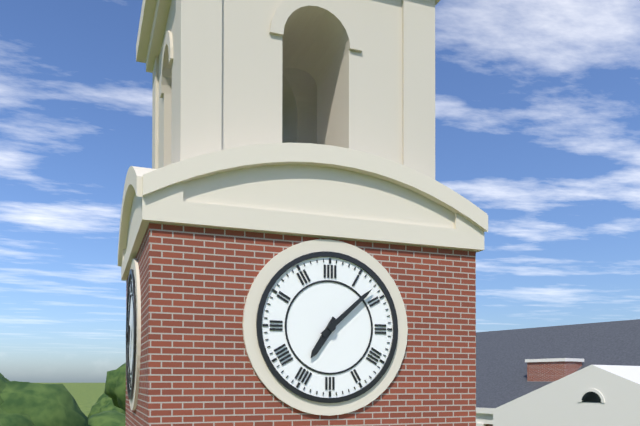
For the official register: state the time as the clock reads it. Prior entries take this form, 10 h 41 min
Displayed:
7 h 08 min
